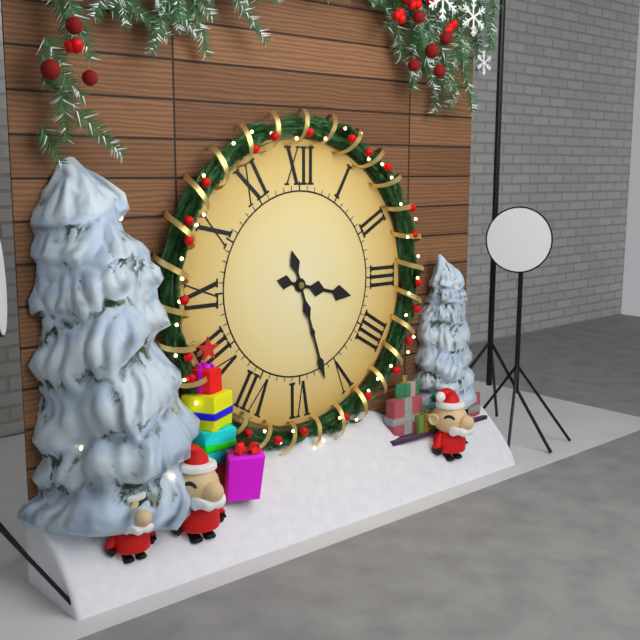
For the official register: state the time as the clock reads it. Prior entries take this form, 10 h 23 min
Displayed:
3 h 27 min
